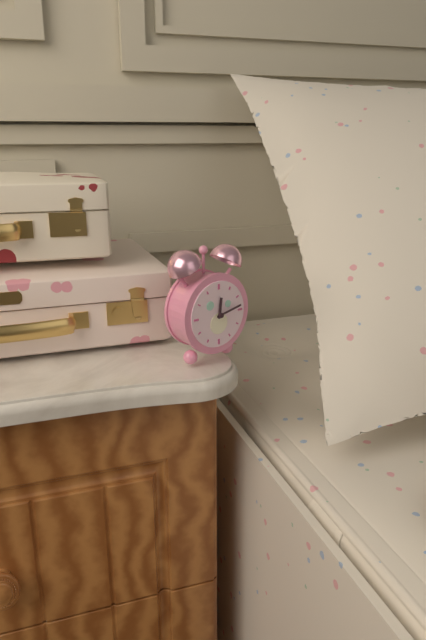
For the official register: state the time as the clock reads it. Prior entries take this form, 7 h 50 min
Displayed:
12 h 13 min
